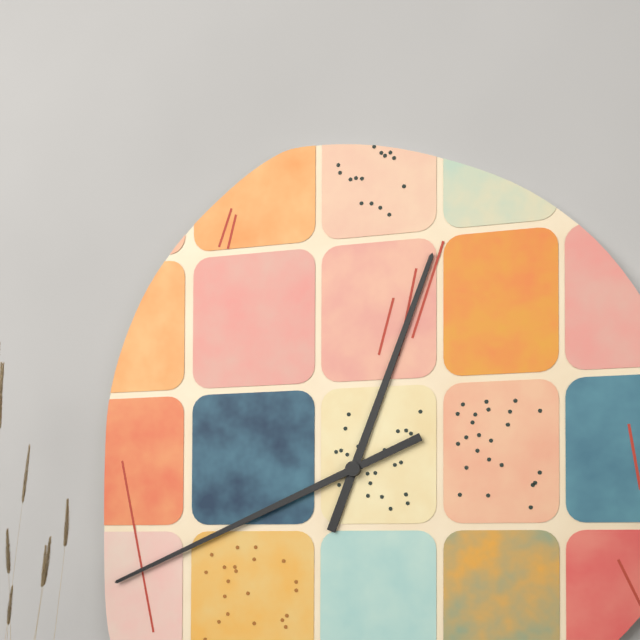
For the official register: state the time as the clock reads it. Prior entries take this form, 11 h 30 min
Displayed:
12 h 41 min
